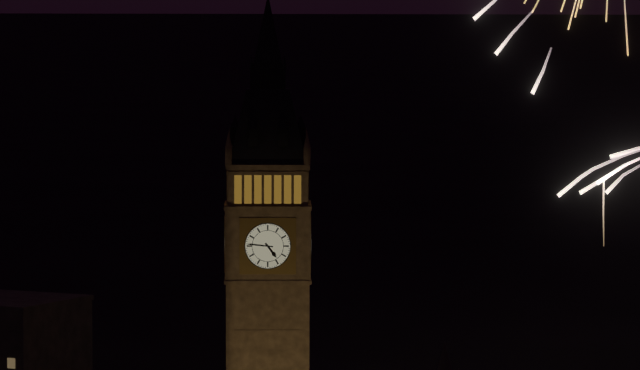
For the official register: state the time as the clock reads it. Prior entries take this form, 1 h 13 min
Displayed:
4 h 46 min
